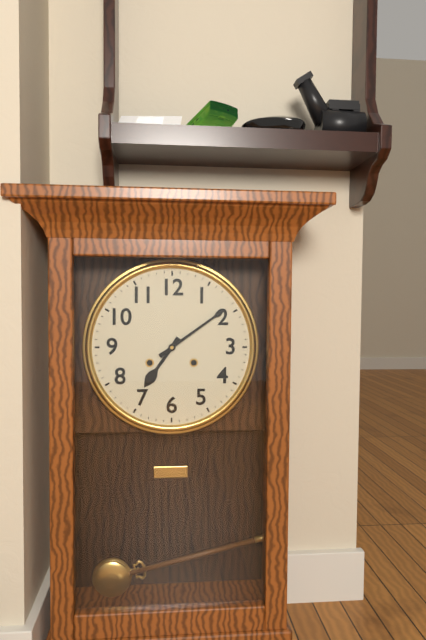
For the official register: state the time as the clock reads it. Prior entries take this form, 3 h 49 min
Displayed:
7 h 09 min
